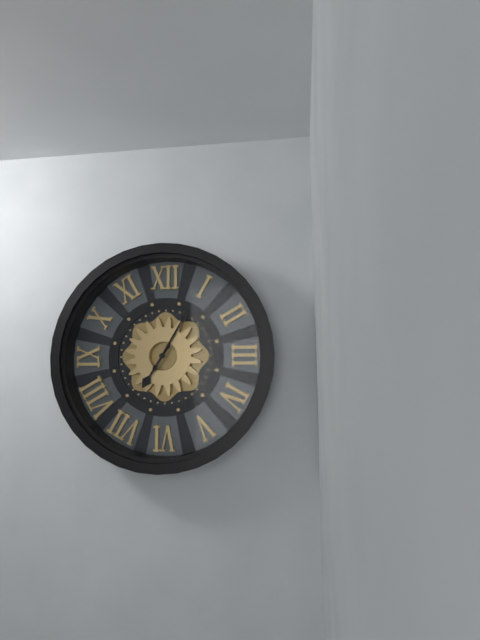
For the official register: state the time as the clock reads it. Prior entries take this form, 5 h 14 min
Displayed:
7 h 05 min
